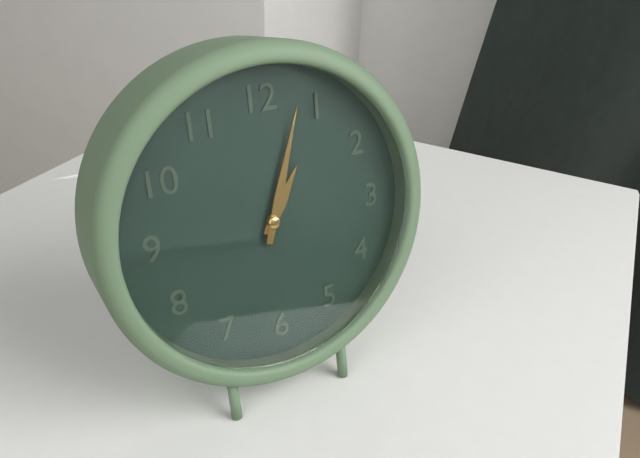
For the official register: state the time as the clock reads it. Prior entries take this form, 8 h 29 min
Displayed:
1 h 03 min
